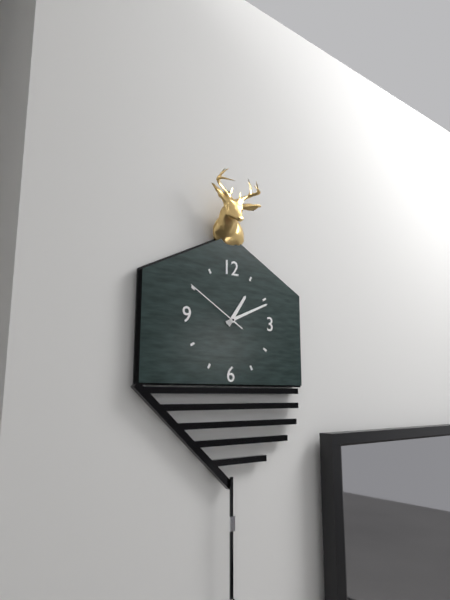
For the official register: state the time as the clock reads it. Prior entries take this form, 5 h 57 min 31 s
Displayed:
1 h 11 min 50 s
